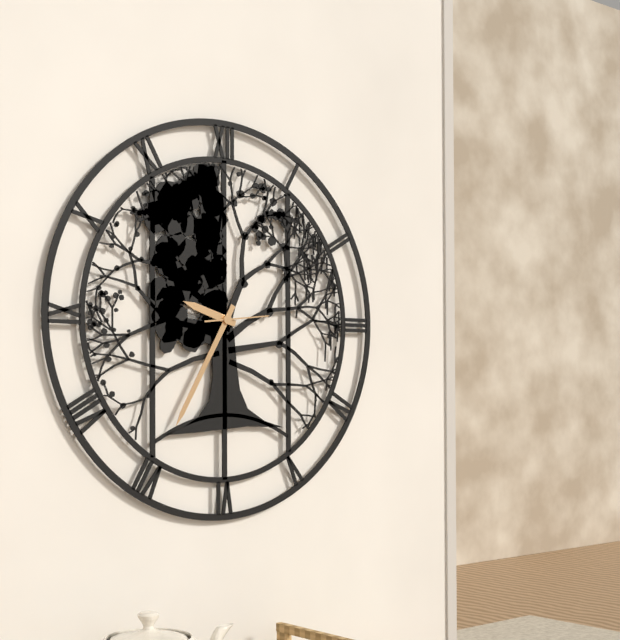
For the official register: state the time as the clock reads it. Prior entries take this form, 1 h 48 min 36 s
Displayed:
9 h 35 min 14 s
